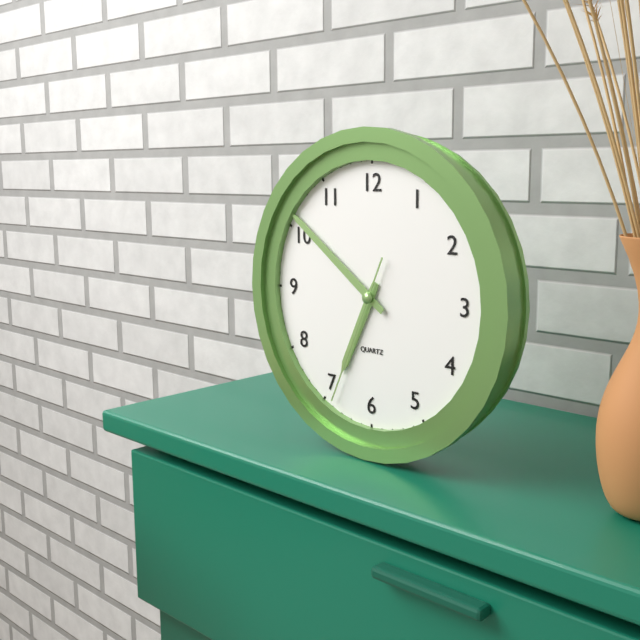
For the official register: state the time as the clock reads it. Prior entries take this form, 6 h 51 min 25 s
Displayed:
6 h 51 min 34 s
